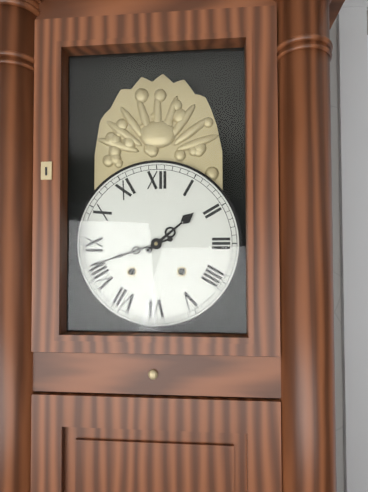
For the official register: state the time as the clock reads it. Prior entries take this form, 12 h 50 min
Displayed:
1 h 42 min
